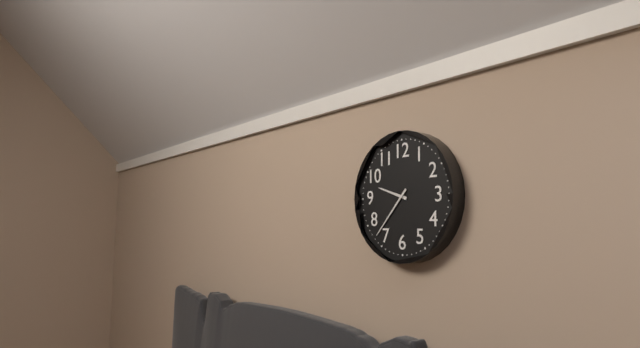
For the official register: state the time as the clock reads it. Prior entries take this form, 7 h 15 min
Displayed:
9 h 37 min
